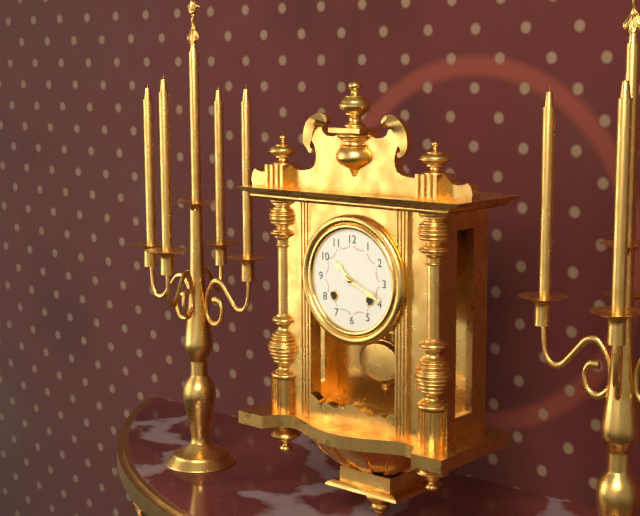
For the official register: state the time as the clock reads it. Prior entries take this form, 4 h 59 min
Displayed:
10 h 19 min
